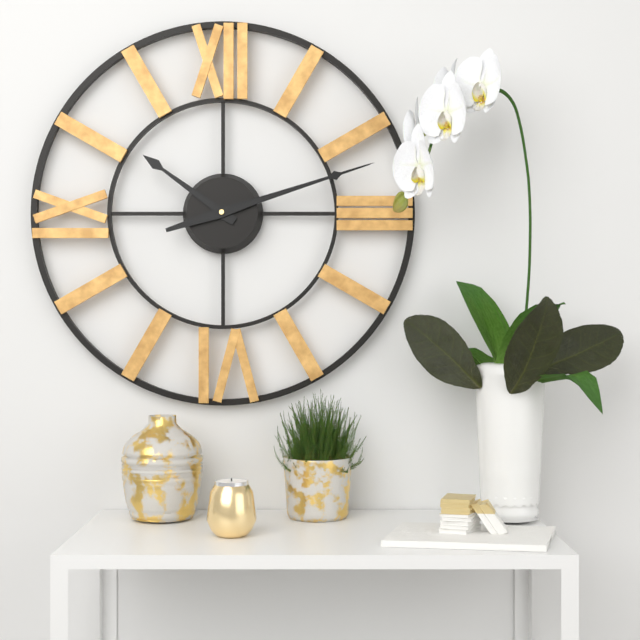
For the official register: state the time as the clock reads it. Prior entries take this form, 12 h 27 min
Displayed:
10 h 12 min
